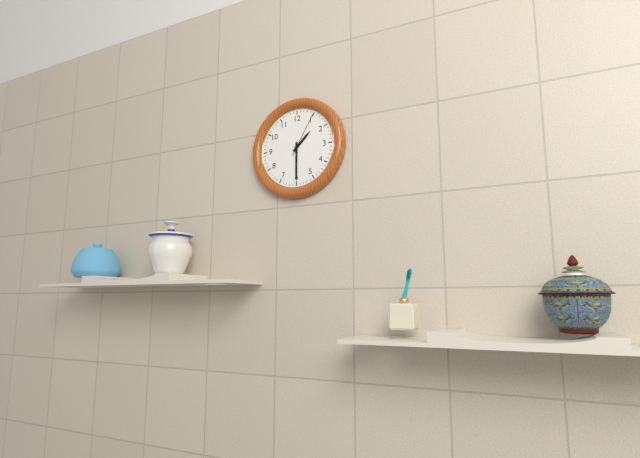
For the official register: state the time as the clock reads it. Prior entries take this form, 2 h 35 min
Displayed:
1 h 30 min
